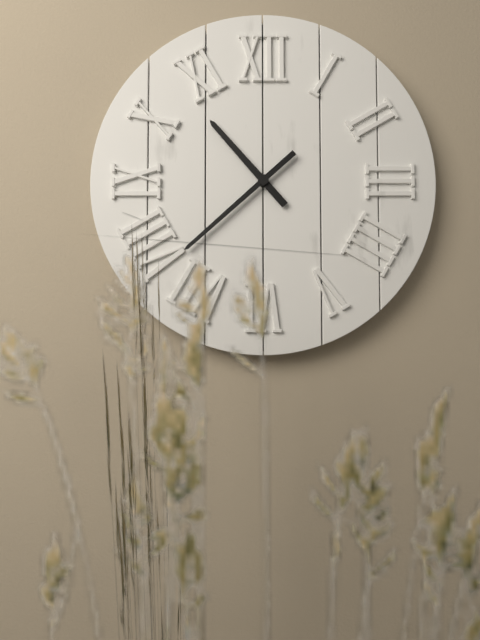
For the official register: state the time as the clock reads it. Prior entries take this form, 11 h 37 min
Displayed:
10 h 38 min
